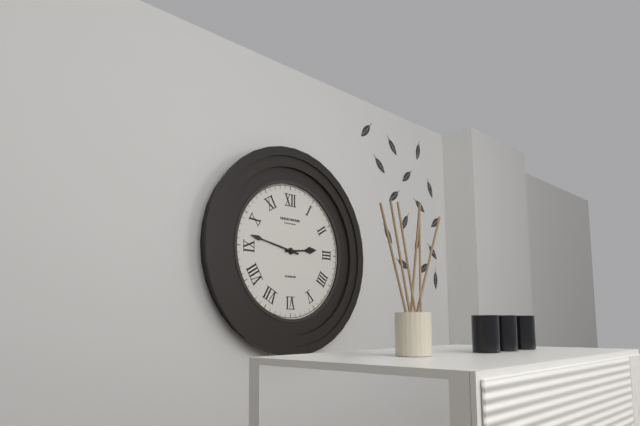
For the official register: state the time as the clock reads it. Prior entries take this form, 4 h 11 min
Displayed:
2 h 47 min
